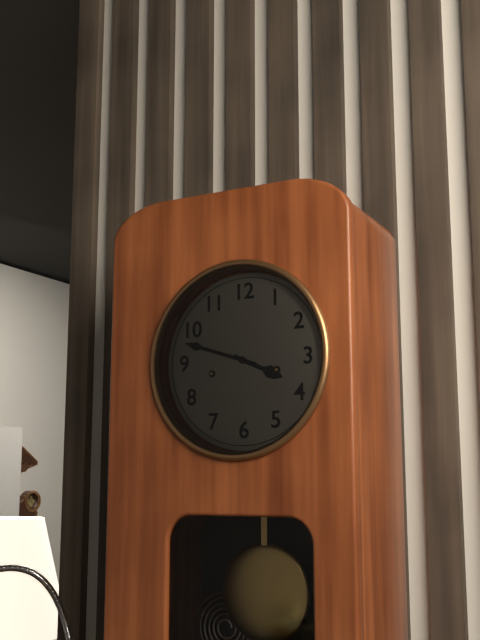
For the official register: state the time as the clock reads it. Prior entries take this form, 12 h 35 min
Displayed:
3 h 48 min
